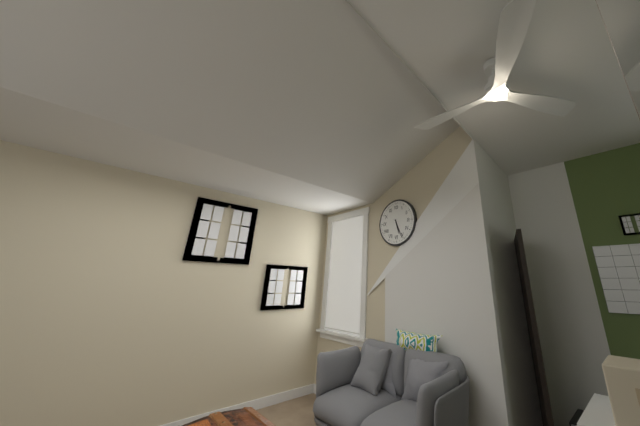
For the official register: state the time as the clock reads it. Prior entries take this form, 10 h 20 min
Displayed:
5 h 26 min
